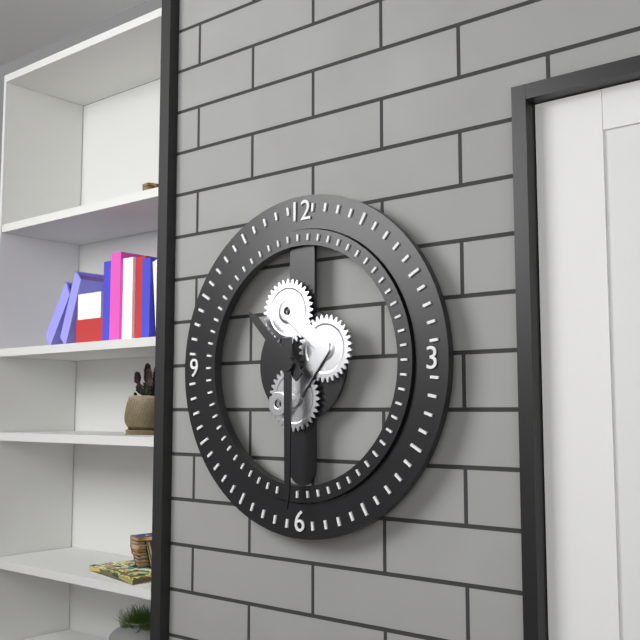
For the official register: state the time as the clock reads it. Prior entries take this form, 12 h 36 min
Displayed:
10 h 30 min
